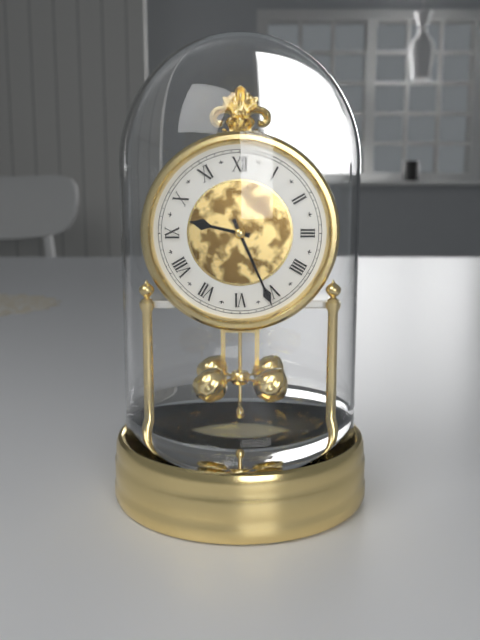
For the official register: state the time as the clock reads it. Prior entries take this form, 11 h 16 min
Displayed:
9 h 26 min
